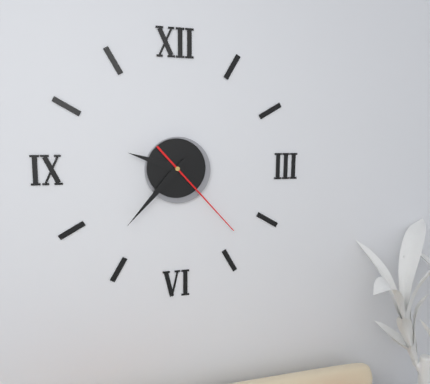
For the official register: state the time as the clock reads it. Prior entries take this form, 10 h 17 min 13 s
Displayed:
9 h 37 min 23 s
